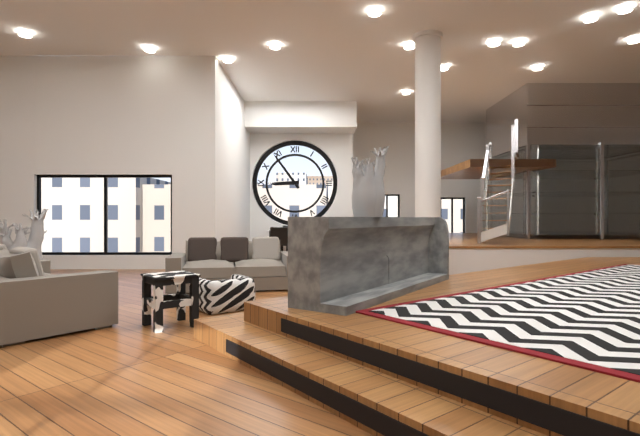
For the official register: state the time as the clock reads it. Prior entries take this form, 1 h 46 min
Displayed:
8 h 54 min
